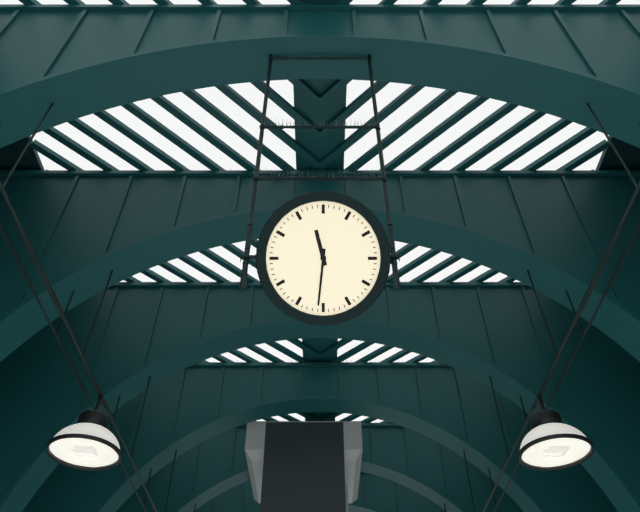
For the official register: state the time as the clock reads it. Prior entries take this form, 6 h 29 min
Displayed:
11 h 31 min
